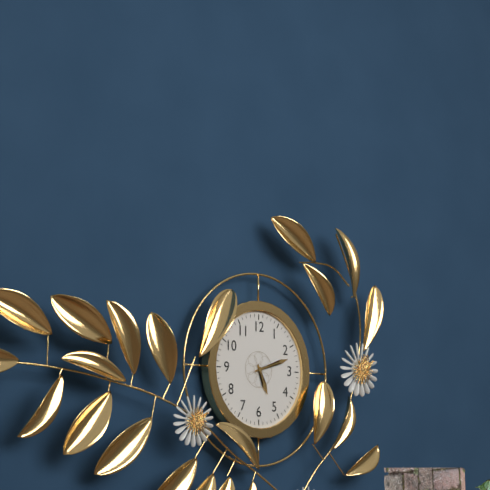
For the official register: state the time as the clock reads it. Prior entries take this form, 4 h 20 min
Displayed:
5 h 12 min
